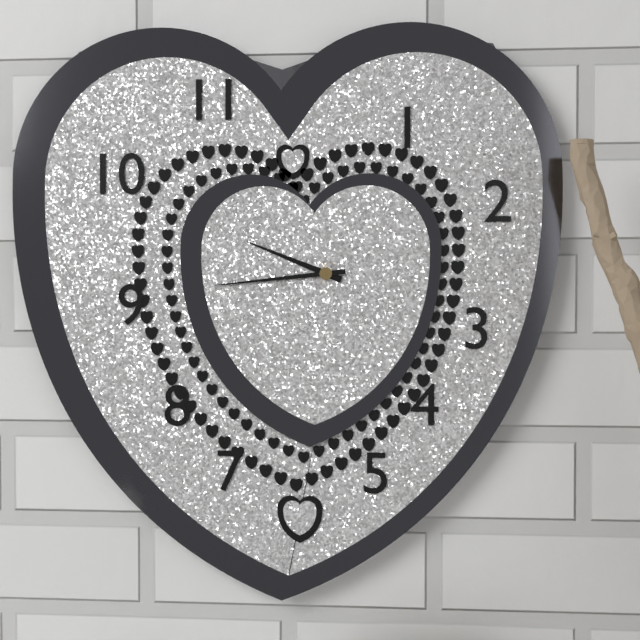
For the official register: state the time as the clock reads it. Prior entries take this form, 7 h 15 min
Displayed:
9 h 44 min
